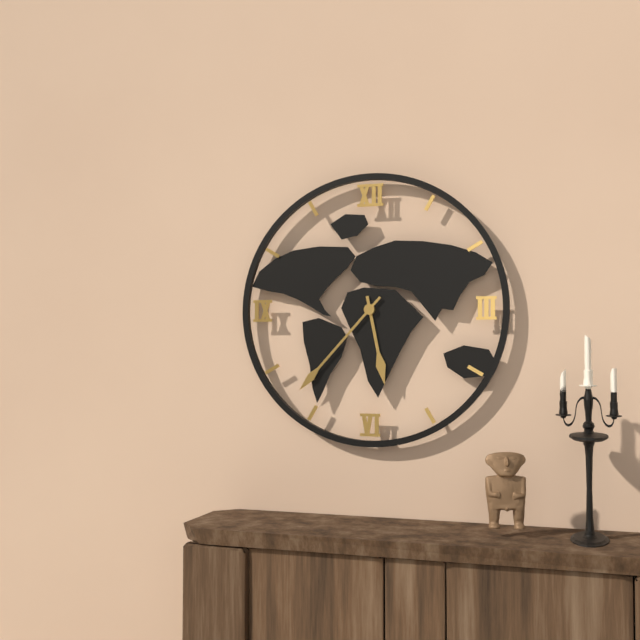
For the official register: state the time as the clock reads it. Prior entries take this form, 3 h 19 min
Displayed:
5 h 37 min
